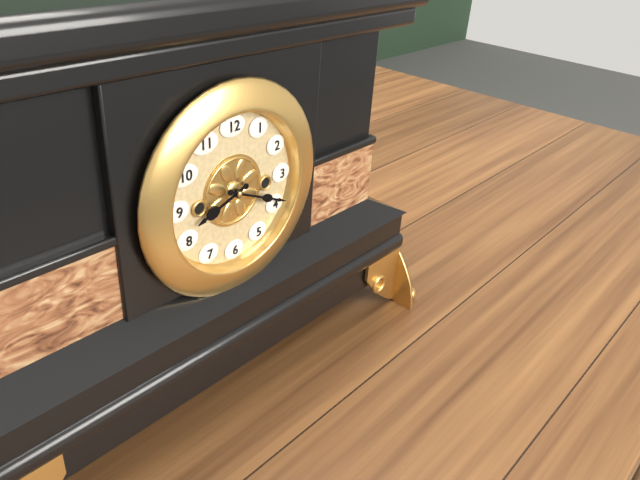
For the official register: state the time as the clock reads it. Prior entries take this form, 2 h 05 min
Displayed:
8 h 19 min
